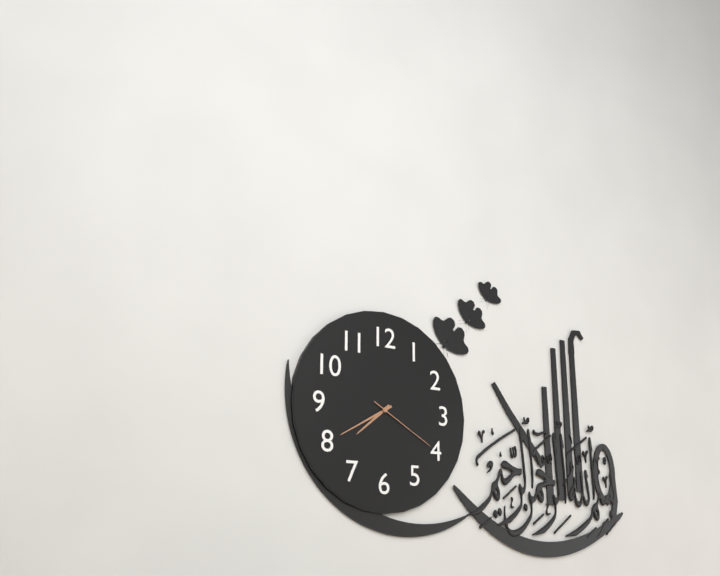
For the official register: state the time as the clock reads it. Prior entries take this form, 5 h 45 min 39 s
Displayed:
7 h 40 min 20 s
